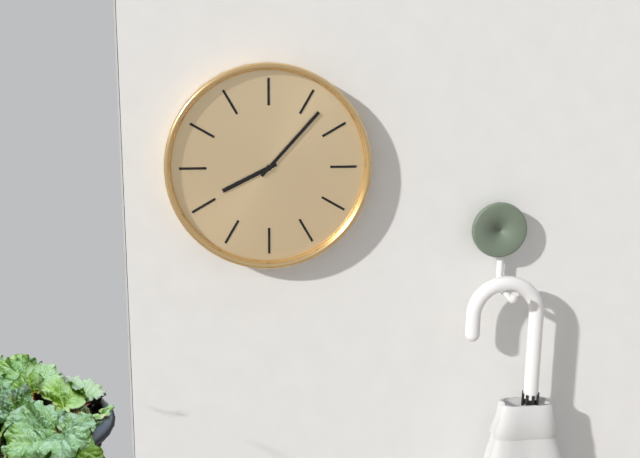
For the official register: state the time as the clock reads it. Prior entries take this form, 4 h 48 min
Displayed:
8 h 07 min
